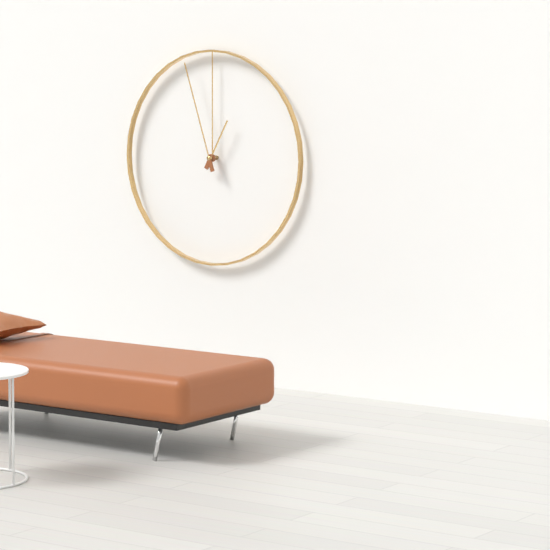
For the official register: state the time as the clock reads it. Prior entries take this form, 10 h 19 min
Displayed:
12 h 57 min
